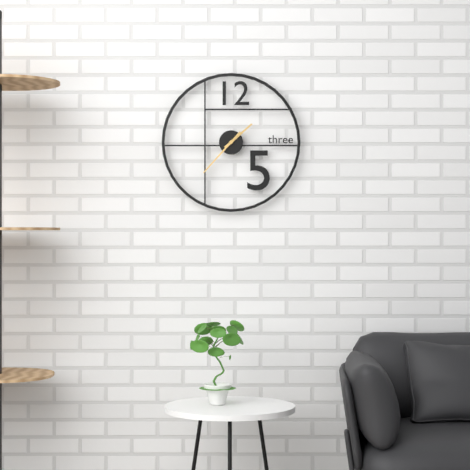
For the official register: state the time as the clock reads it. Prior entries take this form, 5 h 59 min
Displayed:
1 h 37 min
